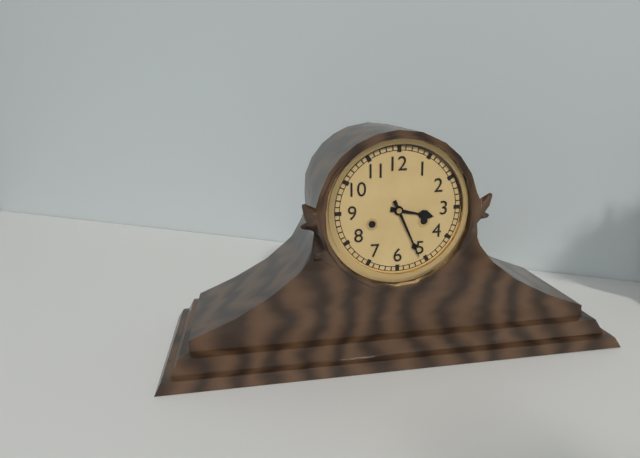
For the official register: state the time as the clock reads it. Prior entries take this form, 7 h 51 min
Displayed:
3 h 26 min
